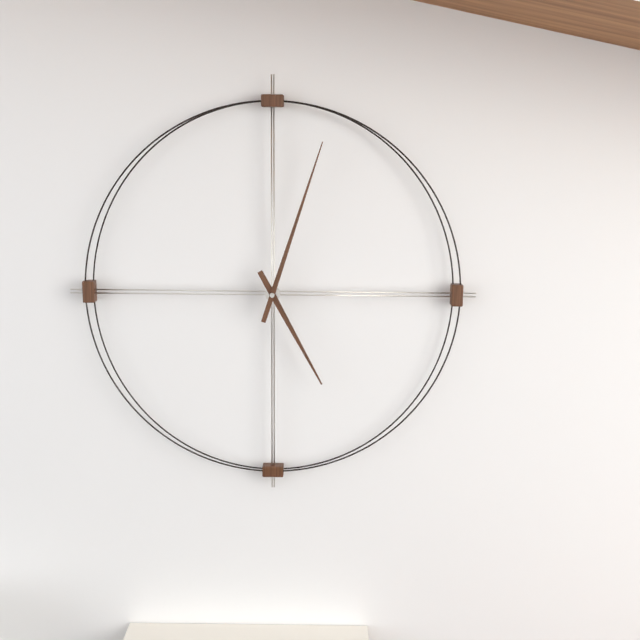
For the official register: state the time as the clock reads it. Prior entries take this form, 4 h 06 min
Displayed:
5 h 03 min
